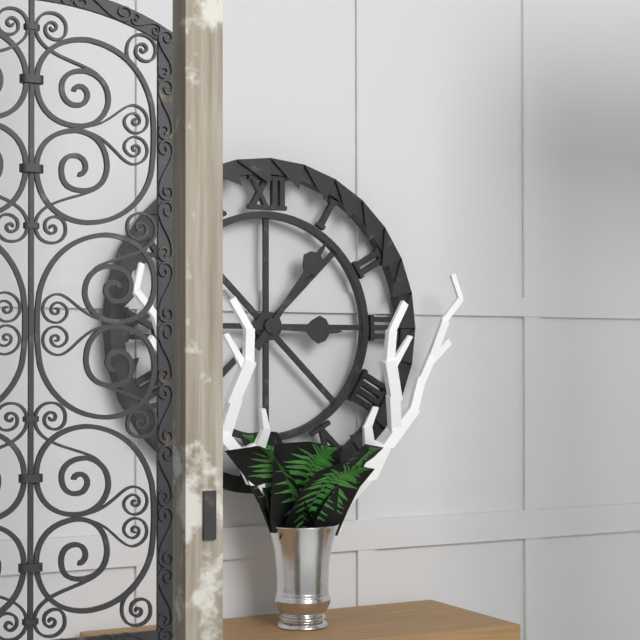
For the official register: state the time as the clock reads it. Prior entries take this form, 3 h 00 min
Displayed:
3 h 06 min
